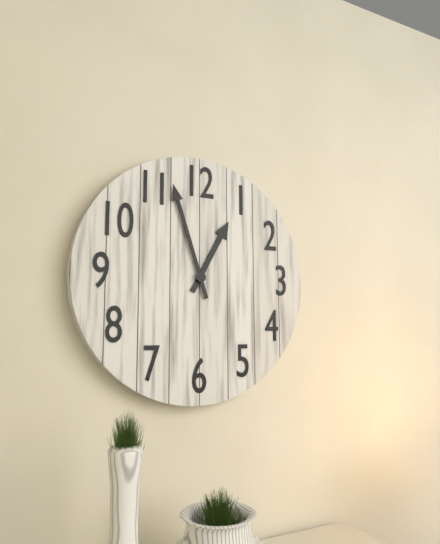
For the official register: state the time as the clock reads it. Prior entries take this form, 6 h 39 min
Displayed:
12 h 57 min
